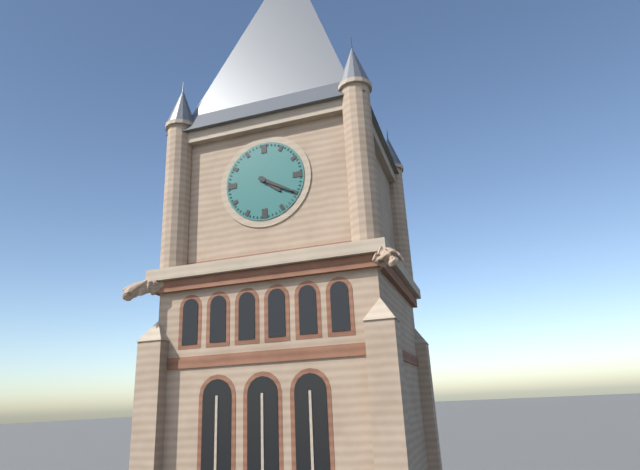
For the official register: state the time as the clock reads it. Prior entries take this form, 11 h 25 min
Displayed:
4 h 20 min
